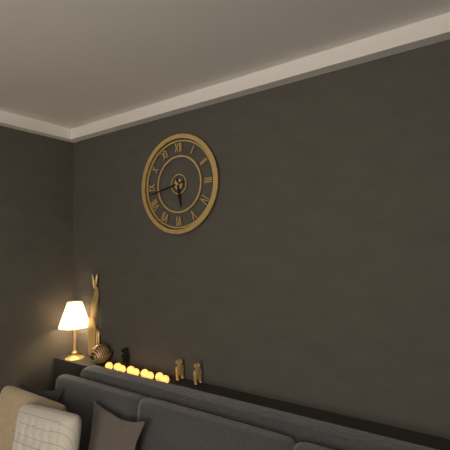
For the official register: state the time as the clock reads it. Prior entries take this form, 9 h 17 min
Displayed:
5 h 43 min
